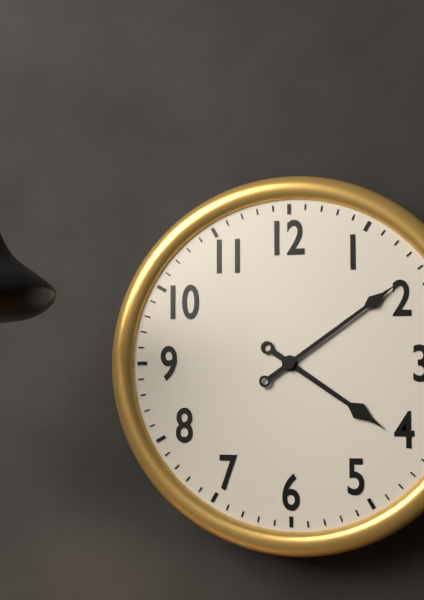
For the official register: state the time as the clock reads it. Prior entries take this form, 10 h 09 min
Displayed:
4 h 09 min
